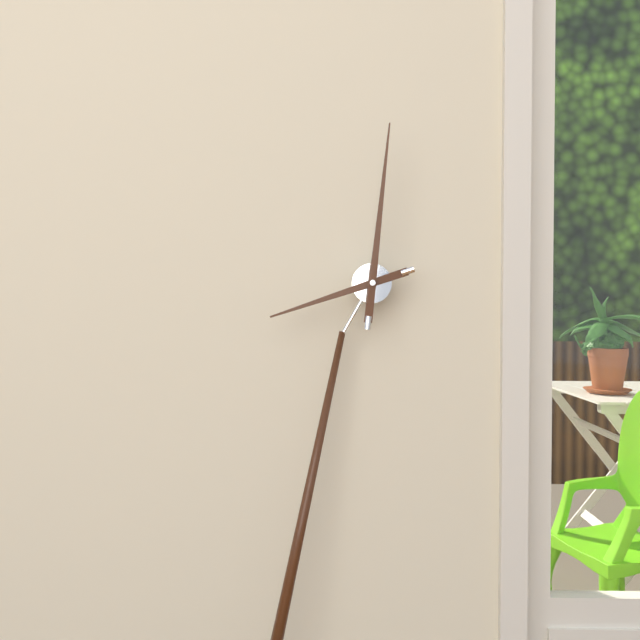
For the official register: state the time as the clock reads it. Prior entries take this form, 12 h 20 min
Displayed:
7 h 59 min
